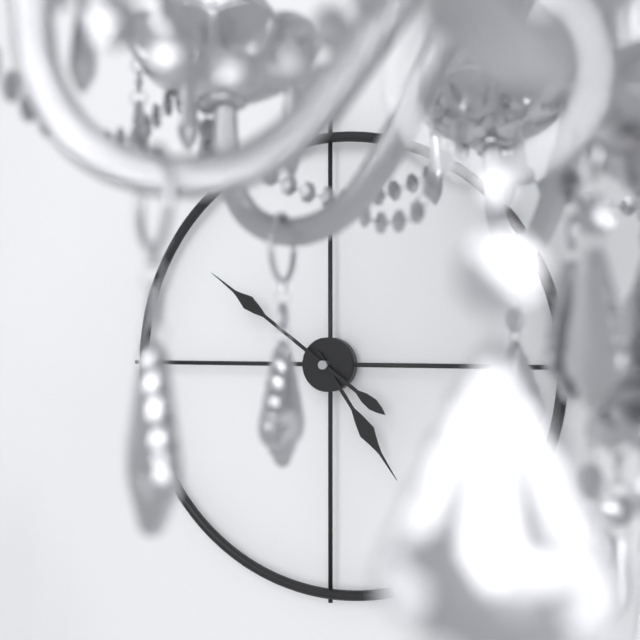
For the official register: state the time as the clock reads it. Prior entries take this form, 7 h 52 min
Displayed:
4 h 51 min
